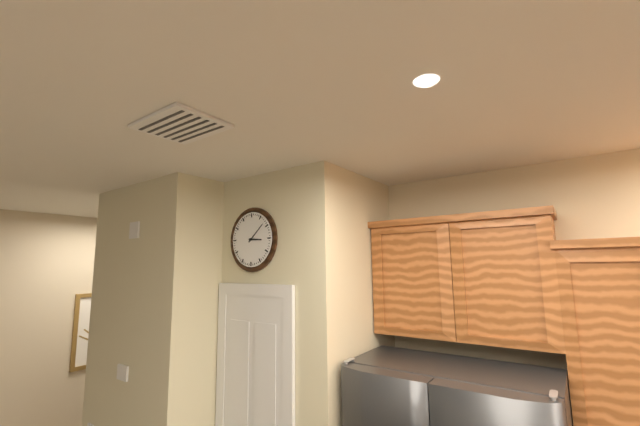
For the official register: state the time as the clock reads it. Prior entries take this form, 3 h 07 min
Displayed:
3 h 08 min
